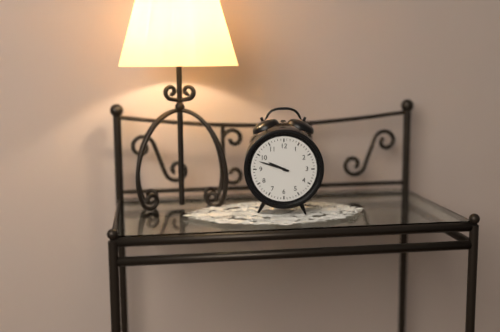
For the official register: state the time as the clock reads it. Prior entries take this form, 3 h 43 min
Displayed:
9 h 48 min
